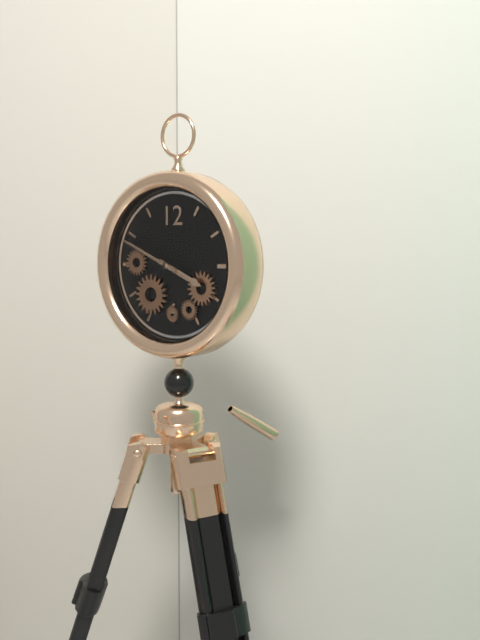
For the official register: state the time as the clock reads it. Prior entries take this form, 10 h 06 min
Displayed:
3 h 49 min
